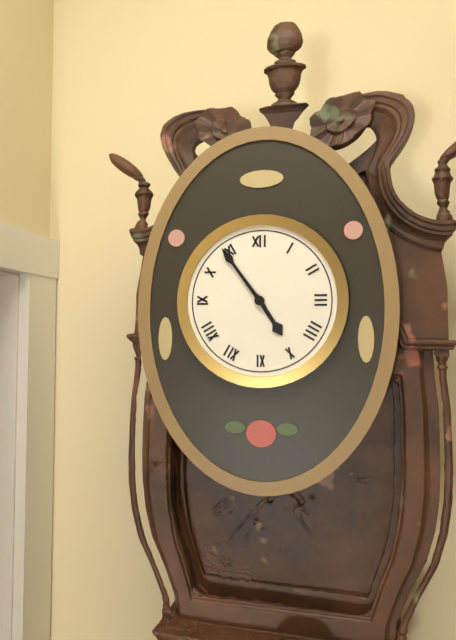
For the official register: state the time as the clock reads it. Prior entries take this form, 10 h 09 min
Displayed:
4 h 54 min
